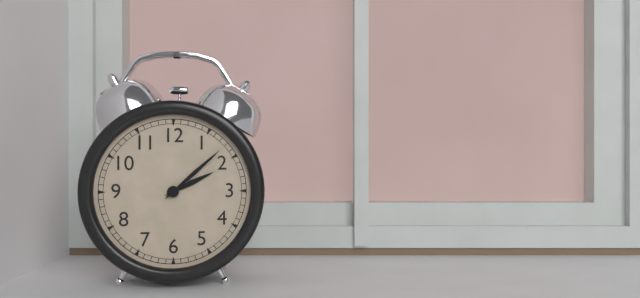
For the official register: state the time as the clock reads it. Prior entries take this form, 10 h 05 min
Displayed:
2 h 08 min
